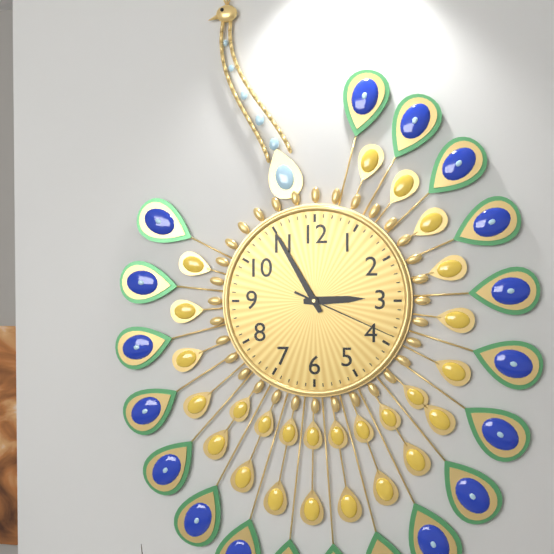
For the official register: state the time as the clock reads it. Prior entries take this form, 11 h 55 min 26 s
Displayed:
2 h 55 min 19 s
